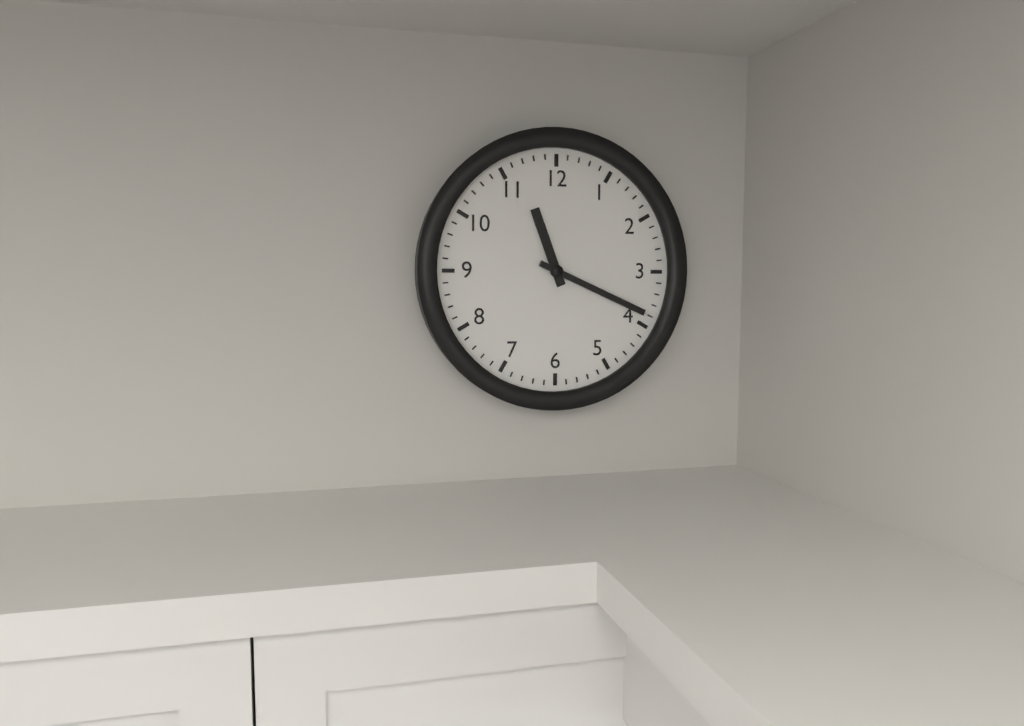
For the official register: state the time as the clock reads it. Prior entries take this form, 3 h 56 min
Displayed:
11 h 19 min
